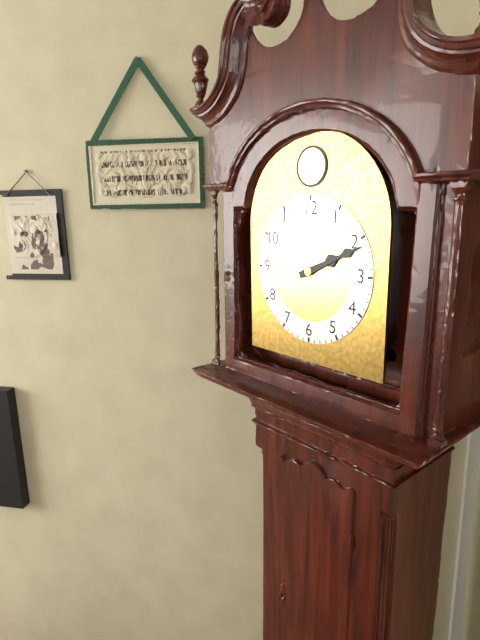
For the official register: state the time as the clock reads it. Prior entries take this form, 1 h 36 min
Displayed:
2 h 11 min
